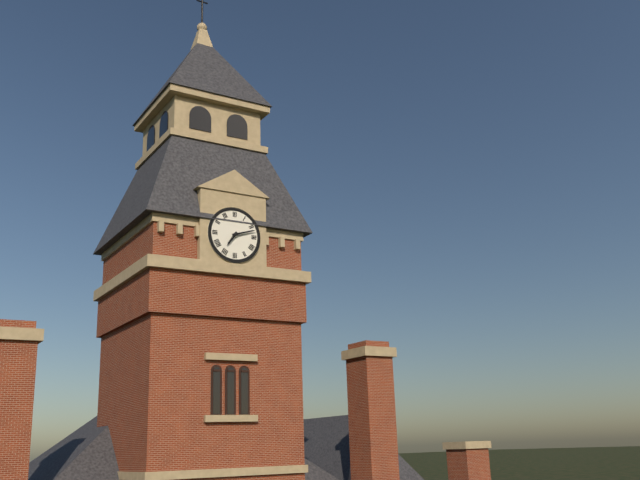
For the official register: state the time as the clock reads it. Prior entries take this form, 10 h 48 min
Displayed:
7 h 12 min
